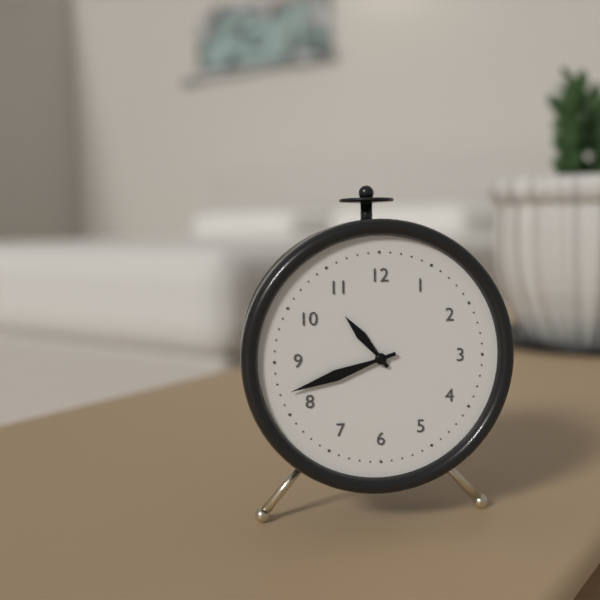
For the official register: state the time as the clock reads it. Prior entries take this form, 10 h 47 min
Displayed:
10 h 42 min
